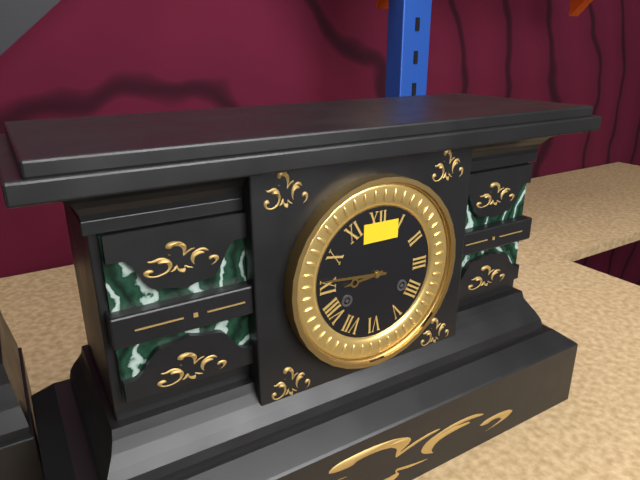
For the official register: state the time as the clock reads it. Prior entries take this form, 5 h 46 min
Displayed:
8 h 46 min
